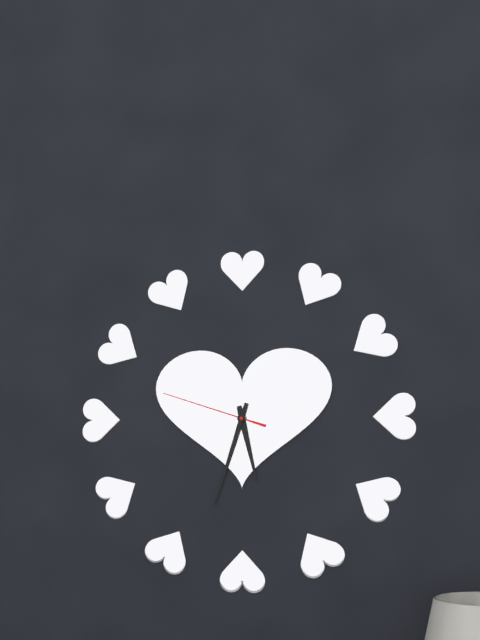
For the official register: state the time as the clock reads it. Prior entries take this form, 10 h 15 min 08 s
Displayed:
5 h 33 min 48 s
